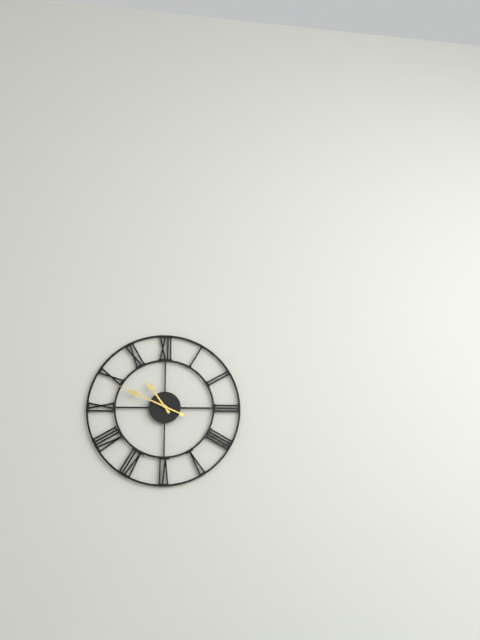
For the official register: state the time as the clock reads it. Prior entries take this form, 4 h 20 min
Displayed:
10 h 49 min
